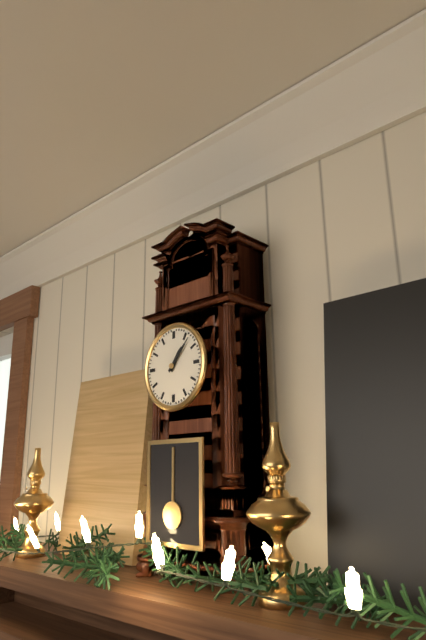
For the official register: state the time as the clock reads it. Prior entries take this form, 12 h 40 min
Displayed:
1 h 07 min
